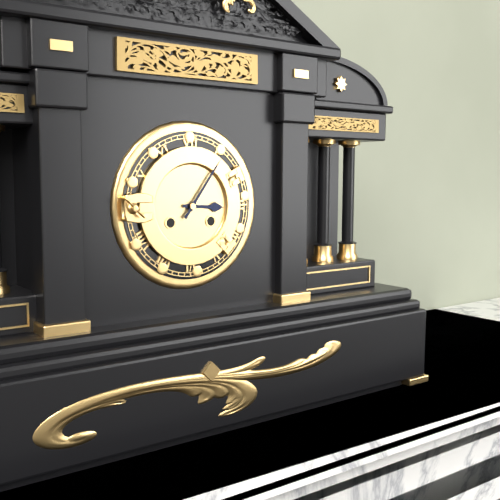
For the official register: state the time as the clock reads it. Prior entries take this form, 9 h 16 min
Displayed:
3 h 06 min
